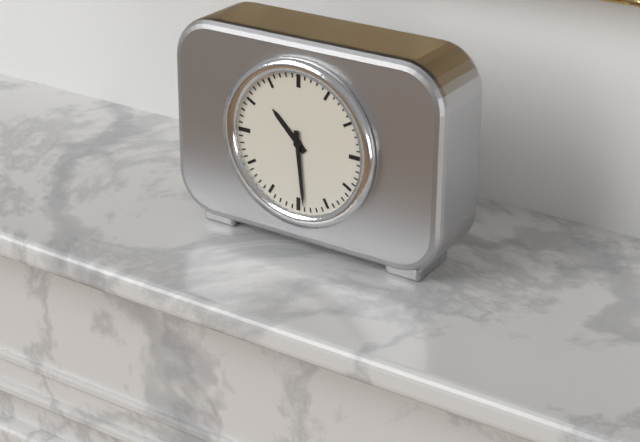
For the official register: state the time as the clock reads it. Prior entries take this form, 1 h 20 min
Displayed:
10 h 29 min
